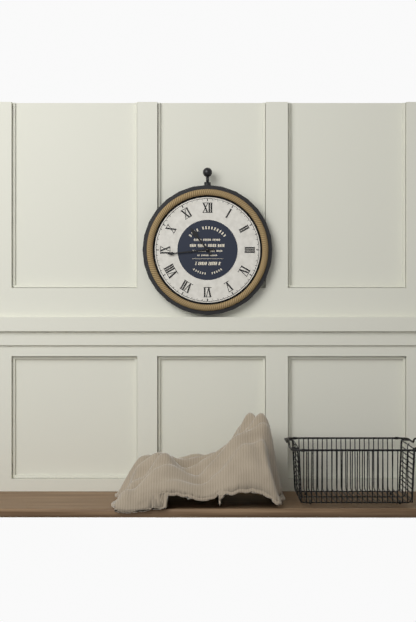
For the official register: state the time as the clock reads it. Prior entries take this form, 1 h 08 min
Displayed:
10 h 44 min
